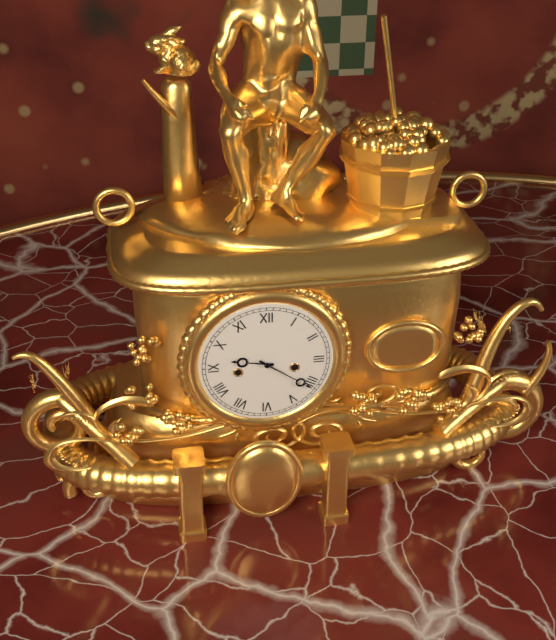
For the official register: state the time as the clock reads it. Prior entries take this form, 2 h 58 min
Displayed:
9 h 21 min
